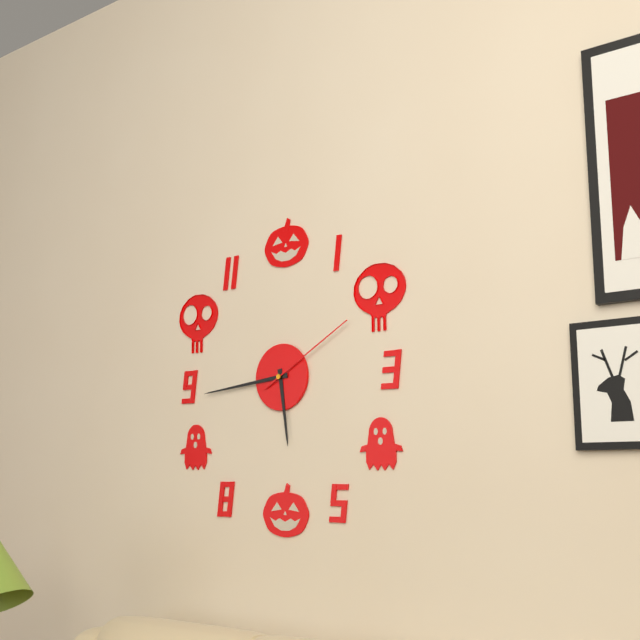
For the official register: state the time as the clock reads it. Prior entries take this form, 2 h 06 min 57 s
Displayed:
5 h 44 min 10 s
